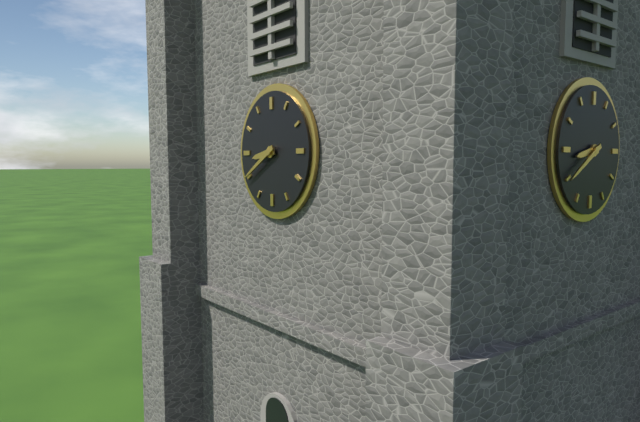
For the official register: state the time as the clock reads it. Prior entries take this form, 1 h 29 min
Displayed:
8 h 40 min
